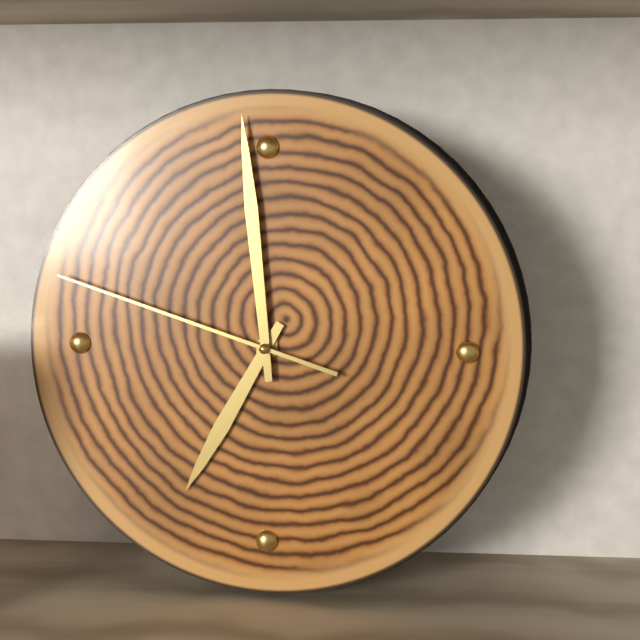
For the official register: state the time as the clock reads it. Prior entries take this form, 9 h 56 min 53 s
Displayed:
6 h 59 min 48 s
